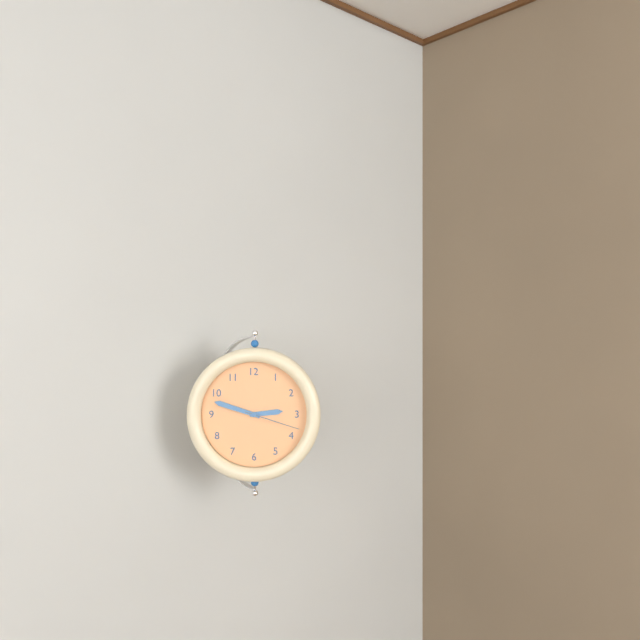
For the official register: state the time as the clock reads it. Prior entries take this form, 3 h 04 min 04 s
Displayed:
2 h 48 min 18 s
